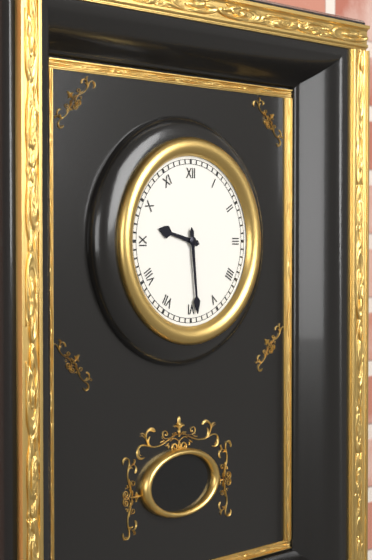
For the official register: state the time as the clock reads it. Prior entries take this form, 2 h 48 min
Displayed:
9 h 29 min
